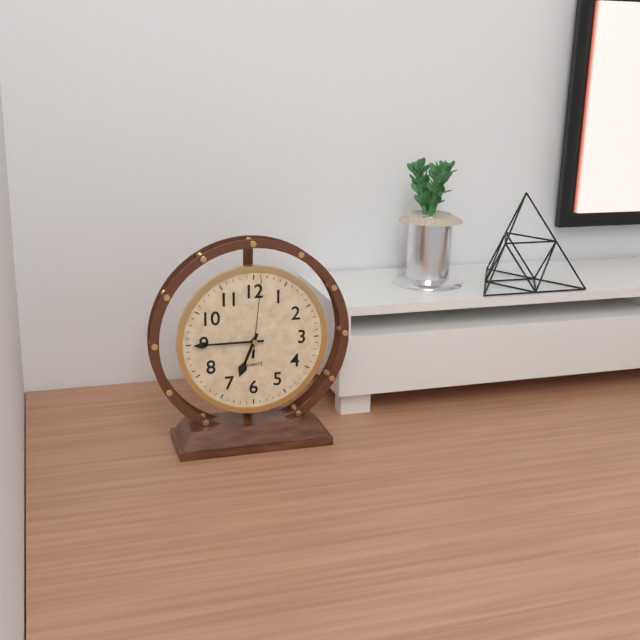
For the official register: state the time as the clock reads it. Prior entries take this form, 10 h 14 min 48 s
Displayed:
6 h 45 min 01 s
